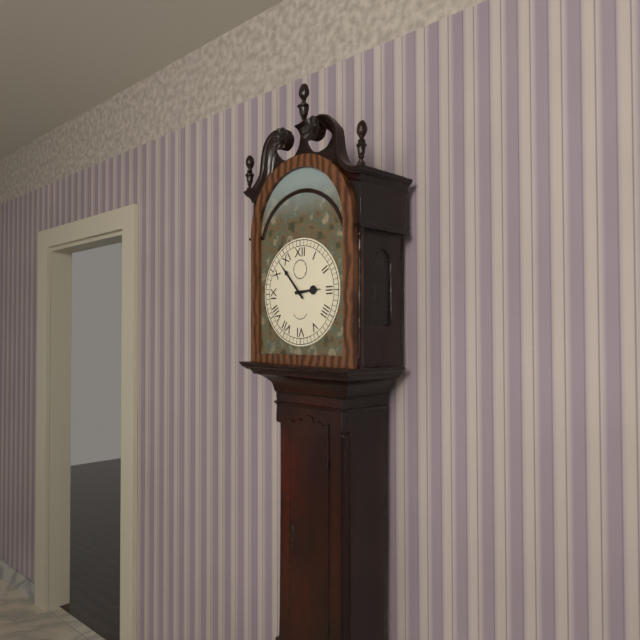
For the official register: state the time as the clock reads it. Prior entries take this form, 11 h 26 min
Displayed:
2 h 53 min
